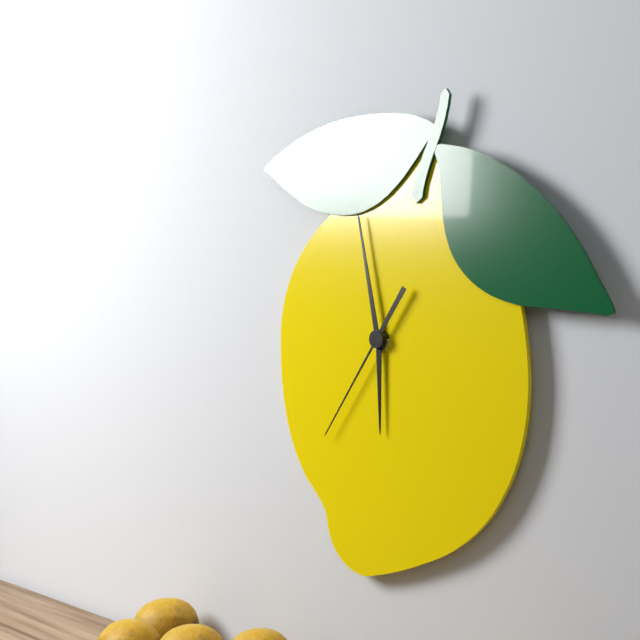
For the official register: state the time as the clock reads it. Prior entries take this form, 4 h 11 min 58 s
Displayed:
5 h 58 min 36 s
